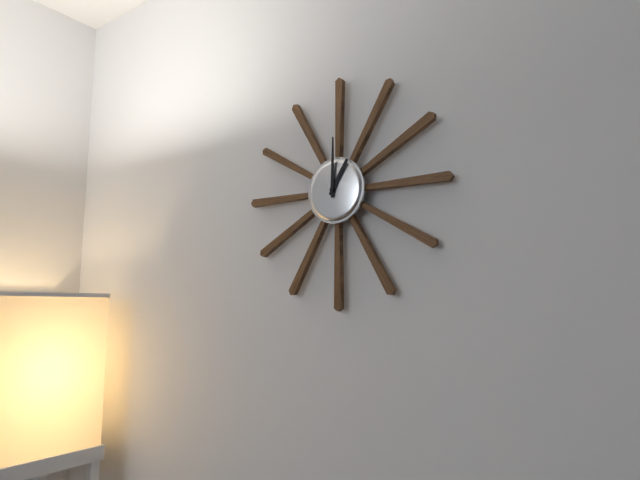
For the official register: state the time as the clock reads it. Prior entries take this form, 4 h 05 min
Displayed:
1 h 00 min
